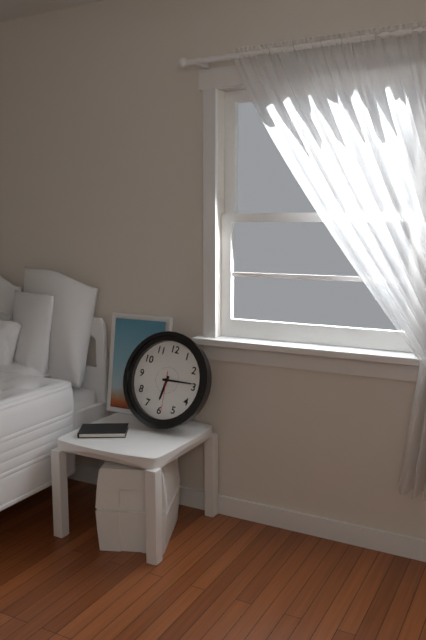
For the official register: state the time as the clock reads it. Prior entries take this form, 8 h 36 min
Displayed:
6 h 14 min
